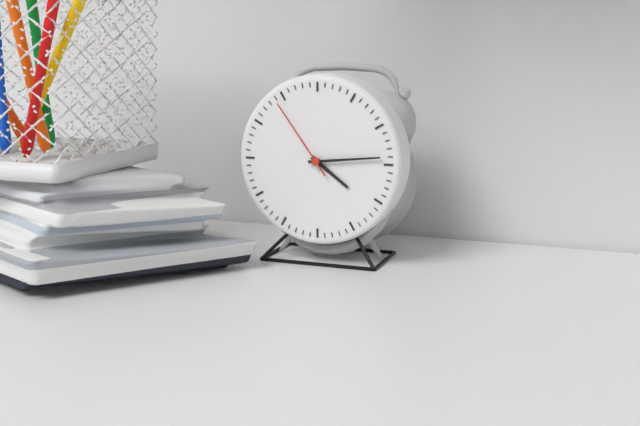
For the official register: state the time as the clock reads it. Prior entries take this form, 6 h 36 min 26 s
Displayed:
4 h 14 min 54 s
